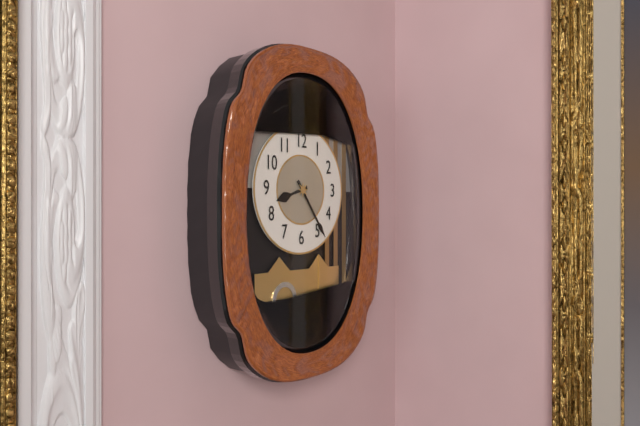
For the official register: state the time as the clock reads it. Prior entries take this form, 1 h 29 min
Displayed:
8 h 24 min
